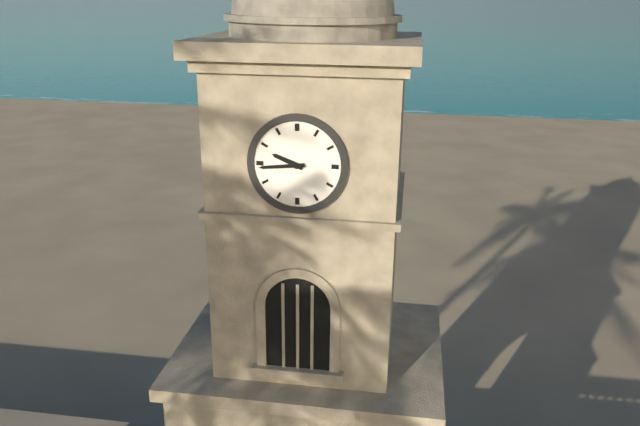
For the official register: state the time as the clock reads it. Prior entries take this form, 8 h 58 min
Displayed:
9 h 44 min
